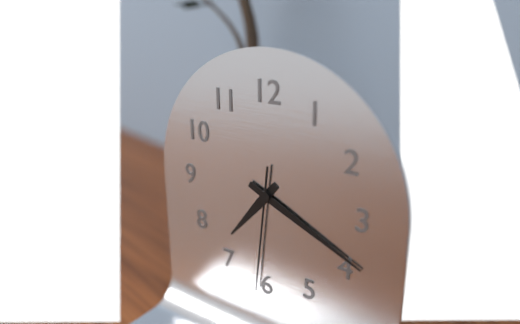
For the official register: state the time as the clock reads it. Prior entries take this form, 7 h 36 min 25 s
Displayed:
7 h 19 min 31 s
